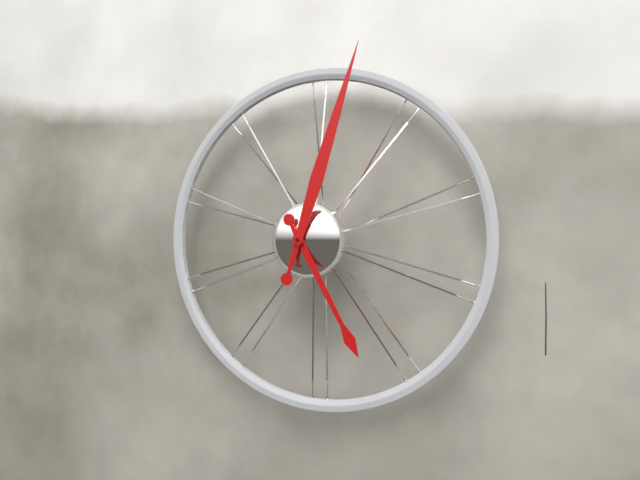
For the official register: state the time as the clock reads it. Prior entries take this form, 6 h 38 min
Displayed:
5 h 03 min
